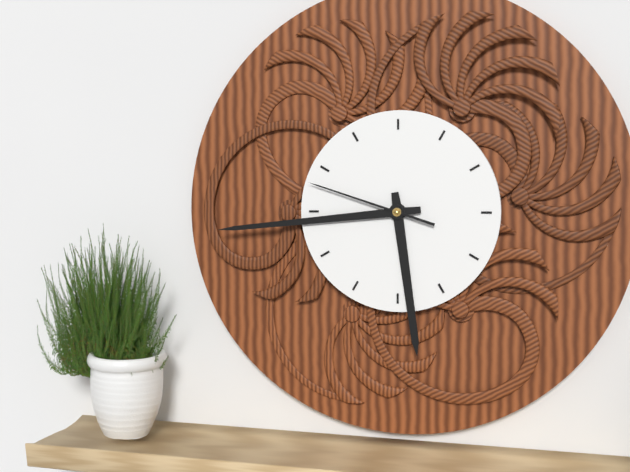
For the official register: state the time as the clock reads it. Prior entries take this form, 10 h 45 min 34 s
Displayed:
5 h 44 min 48 s
